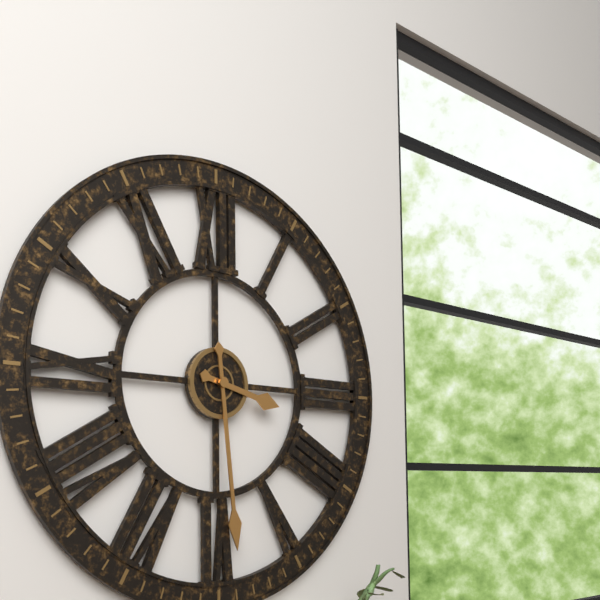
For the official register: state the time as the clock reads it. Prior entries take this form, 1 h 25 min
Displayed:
3 h 29 min
